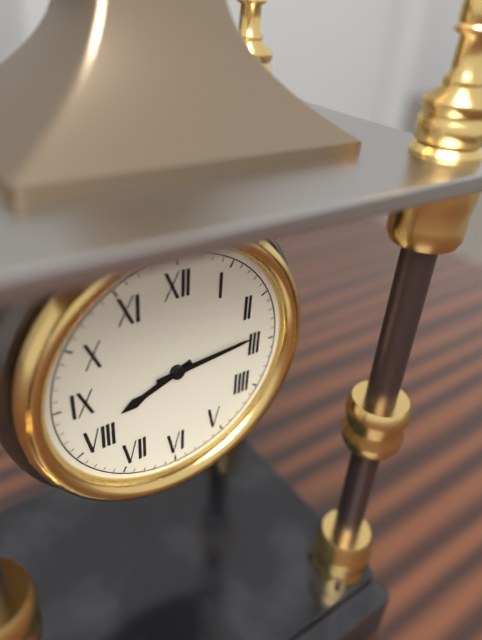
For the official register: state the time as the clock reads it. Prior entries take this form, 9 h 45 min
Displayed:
8 h 14 min
